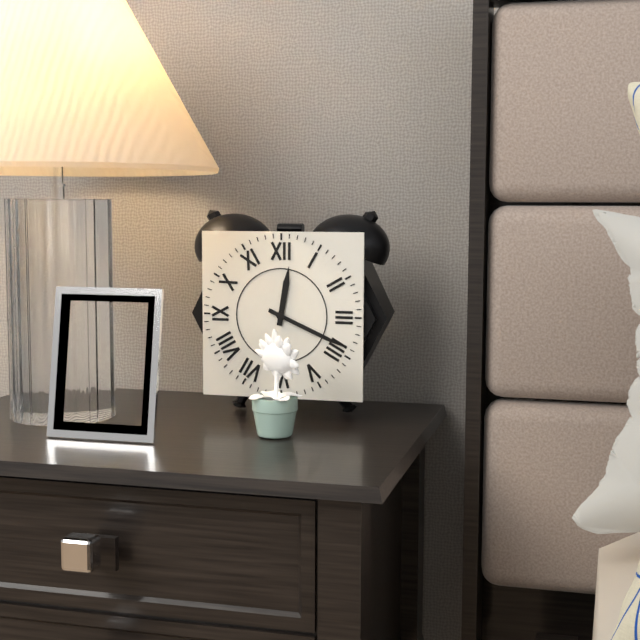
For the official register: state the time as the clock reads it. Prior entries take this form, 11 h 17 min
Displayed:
12 h 19 min
